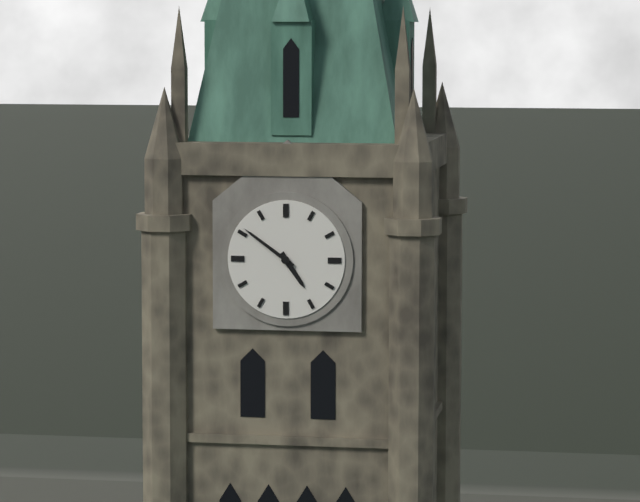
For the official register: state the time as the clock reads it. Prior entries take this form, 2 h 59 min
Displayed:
4 h 51 min
